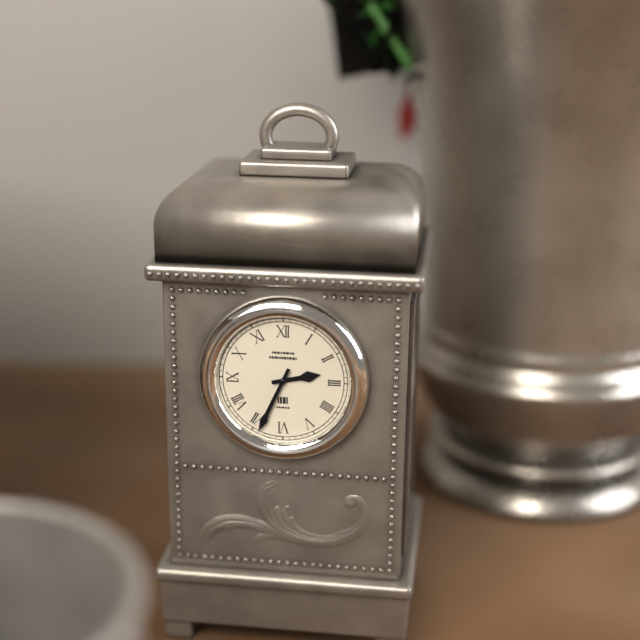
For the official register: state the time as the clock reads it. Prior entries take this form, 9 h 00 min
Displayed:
2 h 34 min
